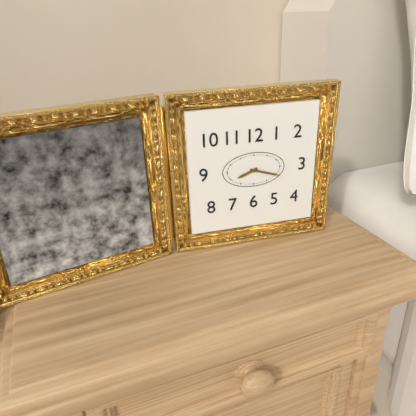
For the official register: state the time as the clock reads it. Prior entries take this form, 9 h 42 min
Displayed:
8 h 18 min
